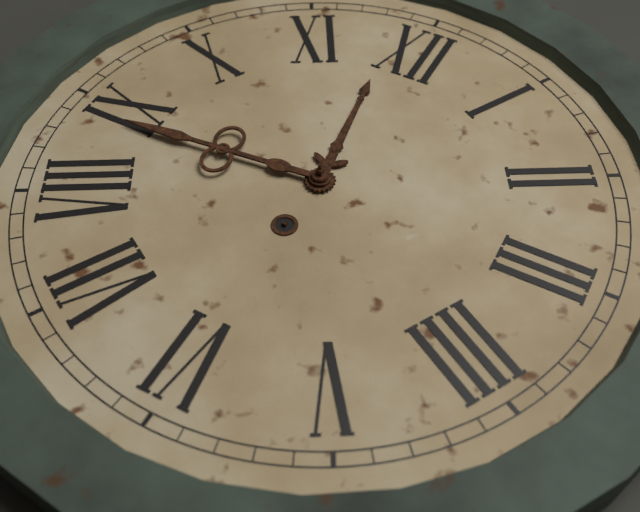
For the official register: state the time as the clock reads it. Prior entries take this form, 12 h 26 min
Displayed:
11 h 44 min
